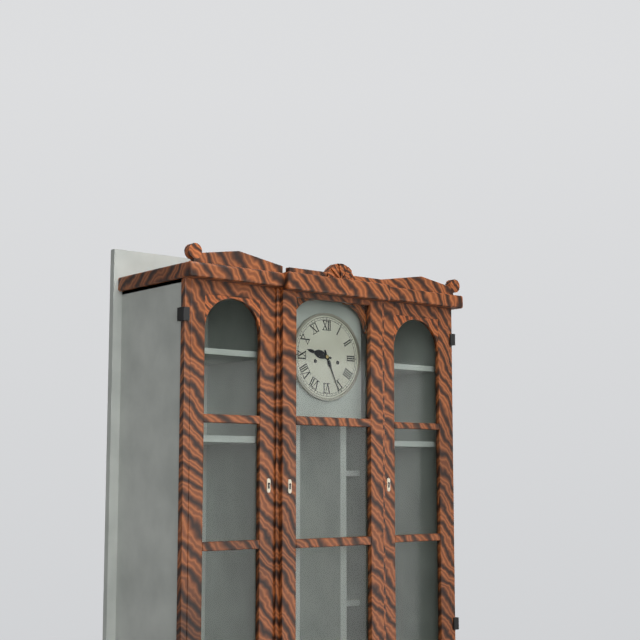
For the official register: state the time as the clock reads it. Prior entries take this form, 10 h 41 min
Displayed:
9 h 26 min
